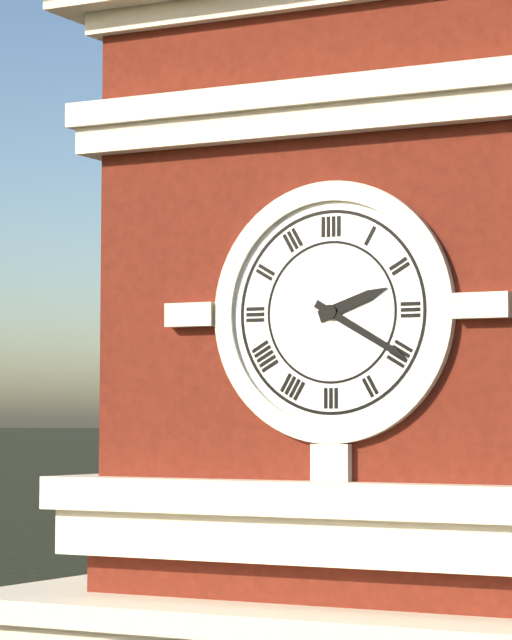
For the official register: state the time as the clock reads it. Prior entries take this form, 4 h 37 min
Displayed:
2 h 20 min
